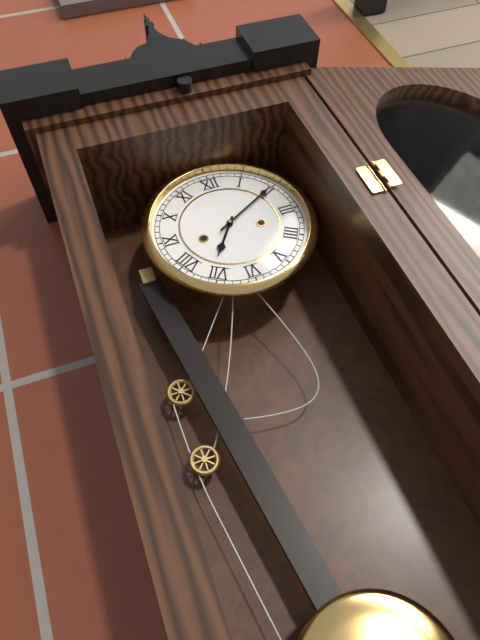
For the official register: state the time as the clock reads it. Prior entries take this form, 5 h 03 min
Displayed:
7 h 10 min
